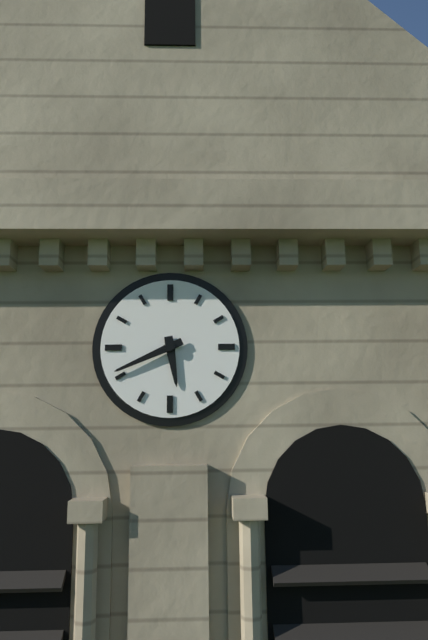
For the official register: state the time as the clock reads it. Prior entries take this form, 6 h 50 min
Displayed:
5 h 41 min
